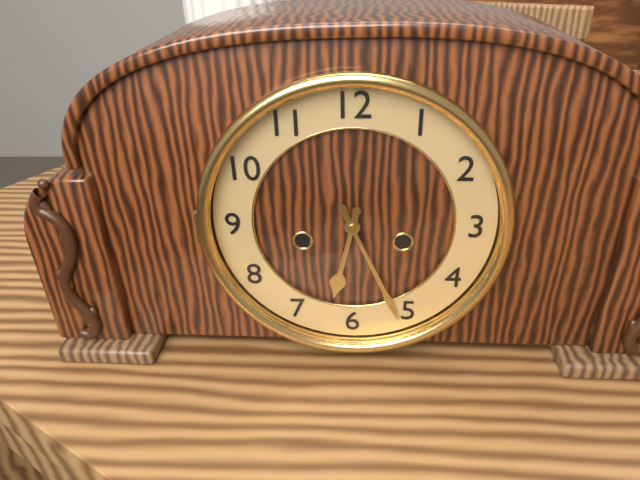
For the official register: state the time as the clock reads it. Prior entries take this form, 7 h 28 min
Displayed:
6 h 26 min
